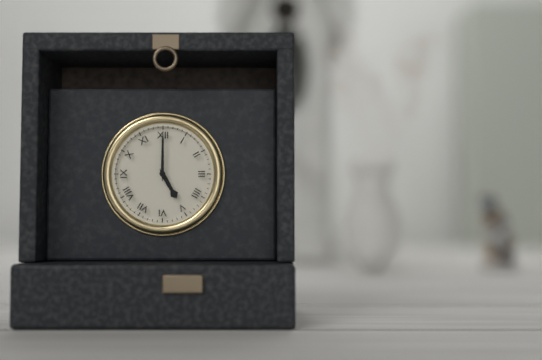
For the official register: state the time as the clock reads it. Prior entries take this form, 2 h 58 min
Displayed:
5 h 00 min
